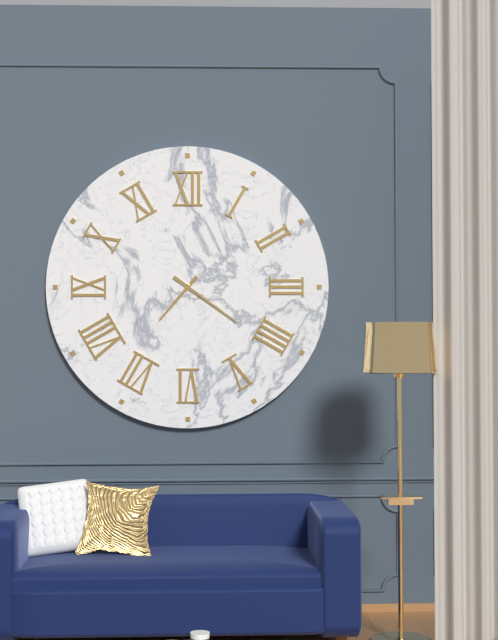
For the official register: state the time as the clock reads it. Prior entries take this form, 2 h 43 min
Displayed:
7 h 21 min
